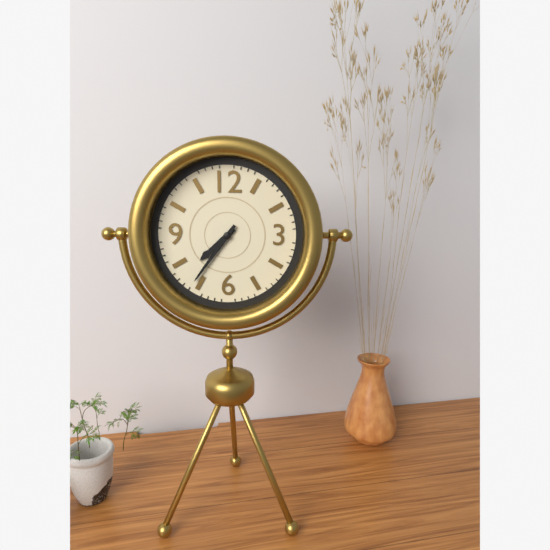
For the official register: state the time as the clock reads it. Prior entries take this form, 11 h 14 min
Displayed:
7 h 36 min
